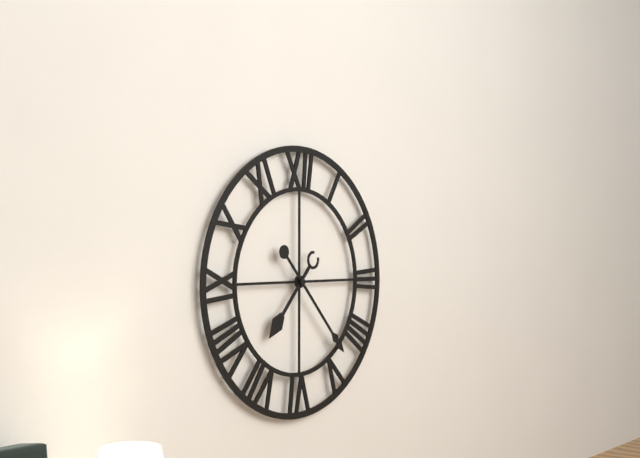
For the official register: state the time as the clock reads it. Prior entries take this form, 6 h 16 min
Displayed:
7 h 23 min
